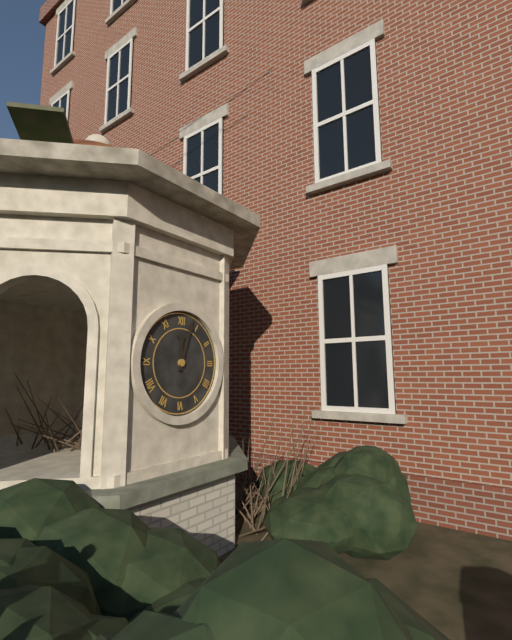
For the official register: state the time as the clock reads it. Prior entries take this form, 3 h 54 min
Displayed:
12 h 03 min
